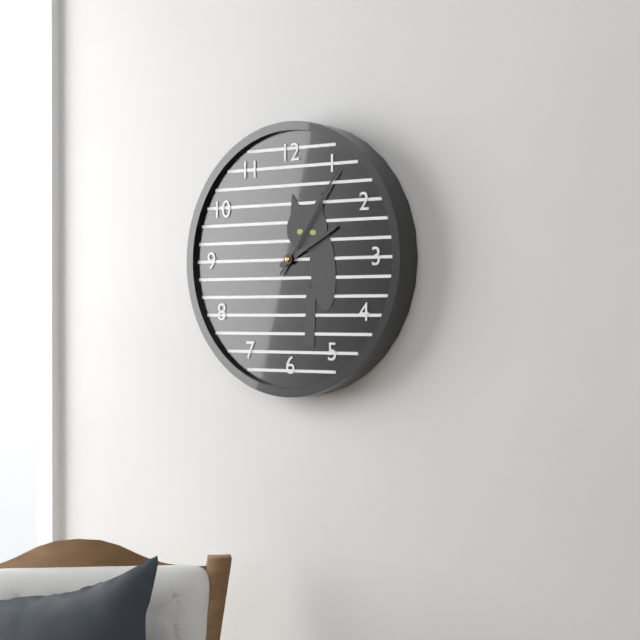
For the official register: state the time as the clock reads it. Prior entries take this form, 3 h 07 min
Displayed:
2 h 06 min
